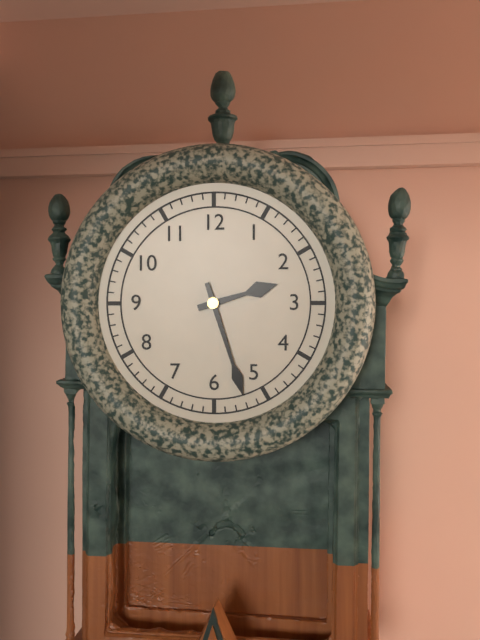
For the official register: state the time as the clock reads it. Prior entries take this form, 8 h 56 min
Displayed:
2 h 27 min
